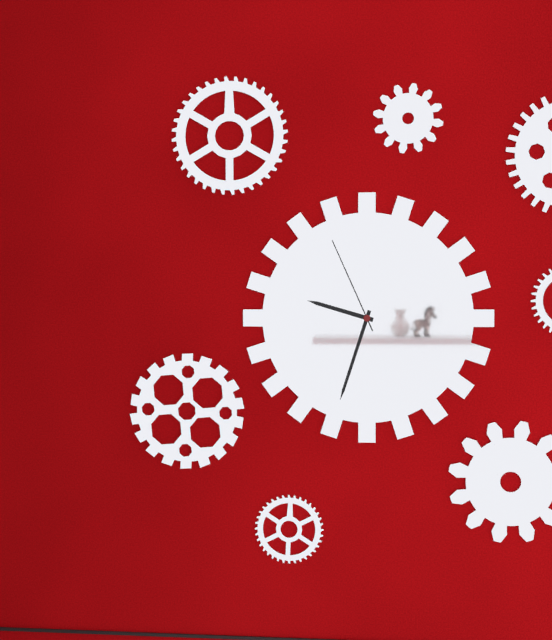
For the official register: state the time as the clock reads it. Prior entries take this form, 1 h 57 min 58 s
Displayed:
9 h 33 min 56 s
